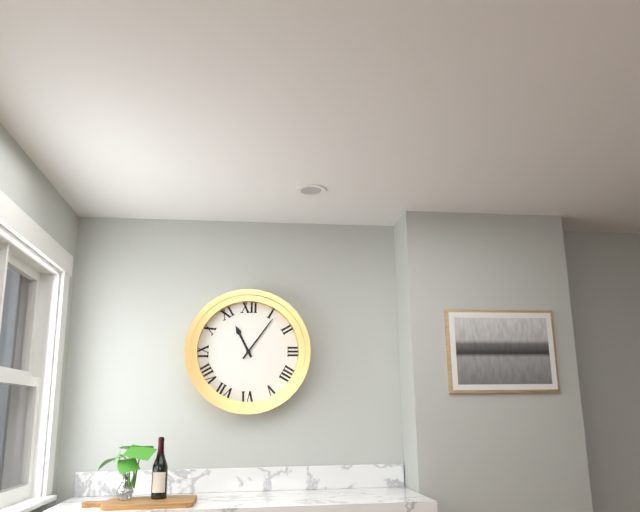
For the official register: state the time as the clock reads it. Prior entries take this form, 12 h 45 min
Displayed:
11 h 06 min
